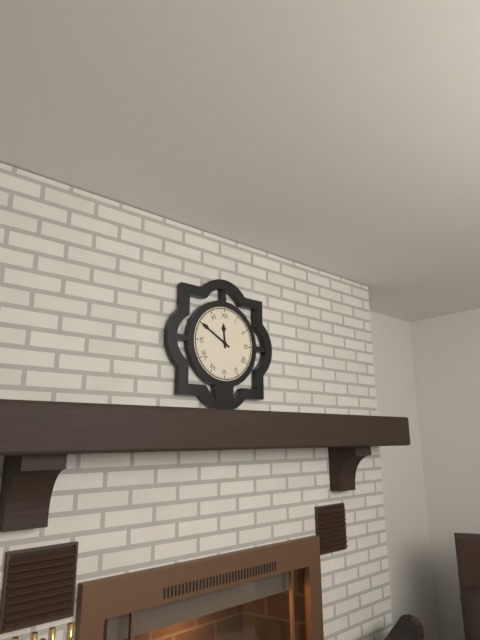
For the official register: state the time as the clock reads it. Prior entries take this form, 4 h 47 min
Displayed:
11 h 50 min
